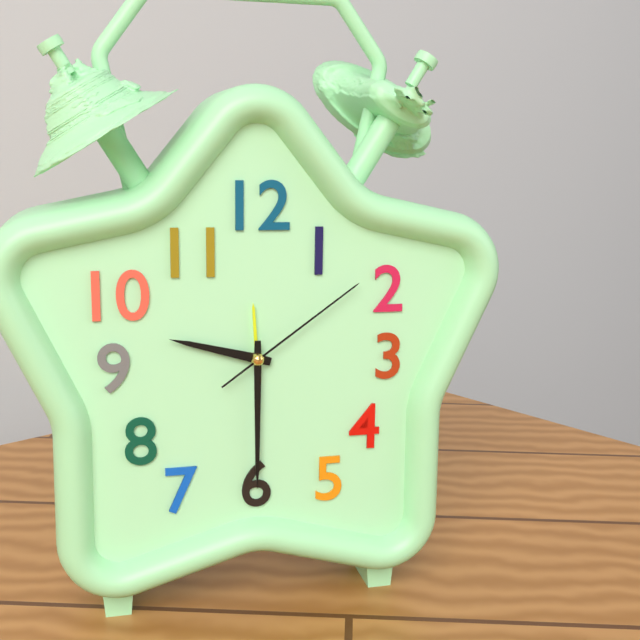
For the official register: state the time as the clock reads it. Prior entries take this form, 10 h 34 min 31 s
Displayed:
9 h 30 min 09 s
